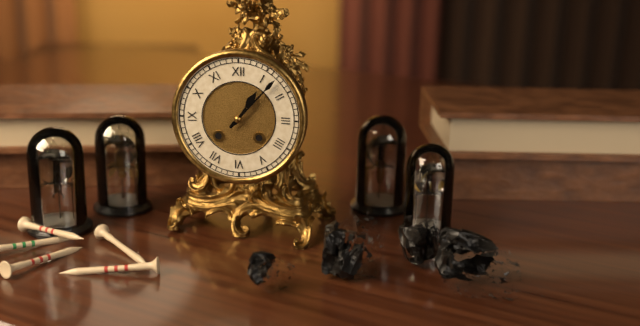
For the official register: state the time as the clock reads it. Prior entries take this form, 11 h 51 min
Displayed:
1 h 07 min
